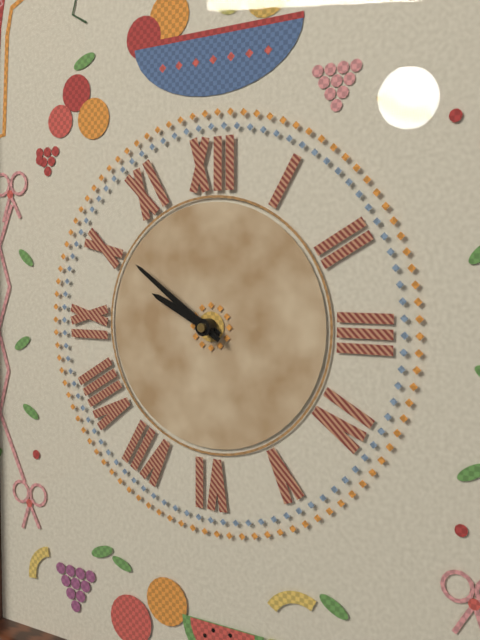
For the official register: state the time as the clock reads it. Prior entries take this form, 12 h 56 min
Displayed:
9 h 51 min
